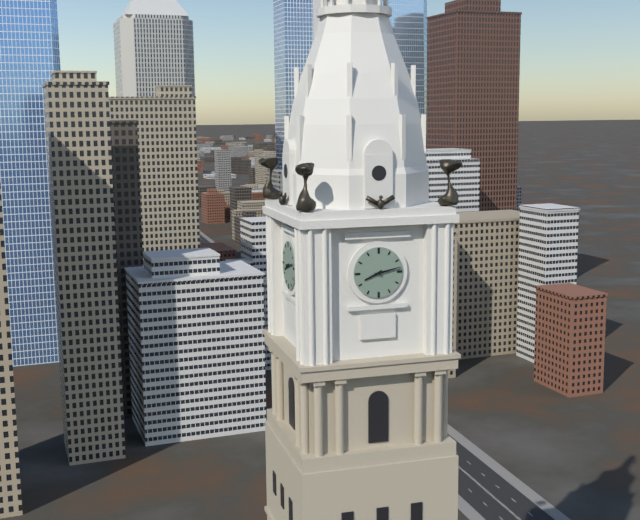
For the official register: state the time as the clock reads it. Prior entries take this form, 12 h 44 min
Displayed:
8 h 13 min
